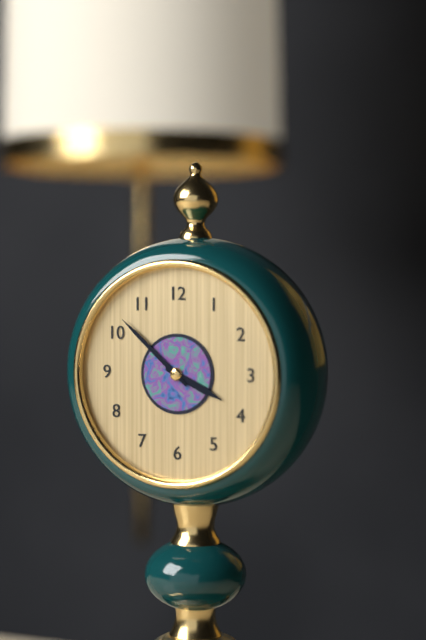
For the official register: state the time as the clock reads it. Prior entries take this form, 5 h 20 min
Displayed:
3 h 52 min
